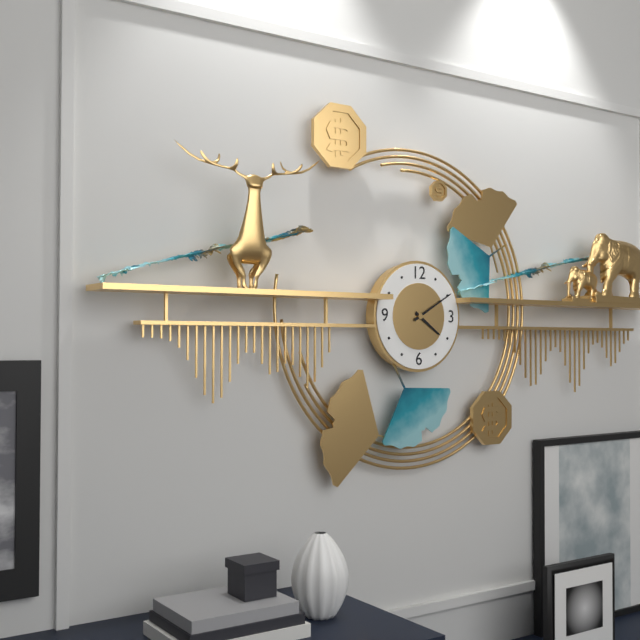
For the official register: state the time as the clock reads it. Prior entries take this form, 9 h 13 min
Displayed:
4 h 10 min
